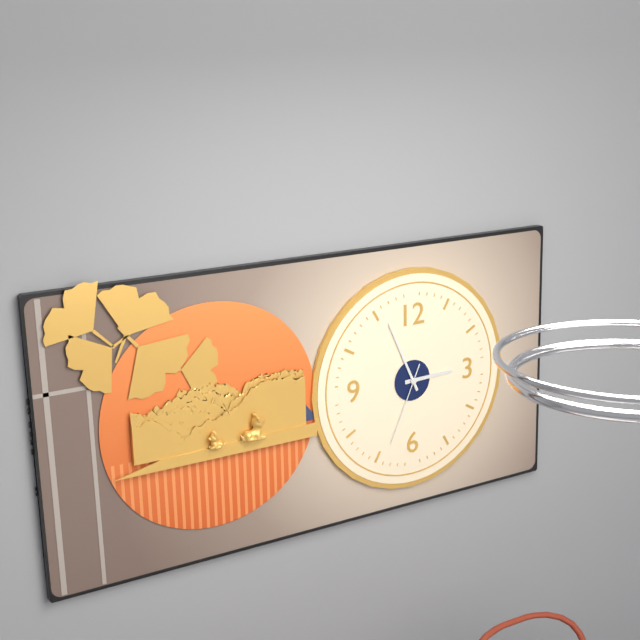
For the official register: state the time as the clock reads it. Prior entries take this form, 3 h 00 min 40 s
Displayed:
2 h 56 min 34 s
